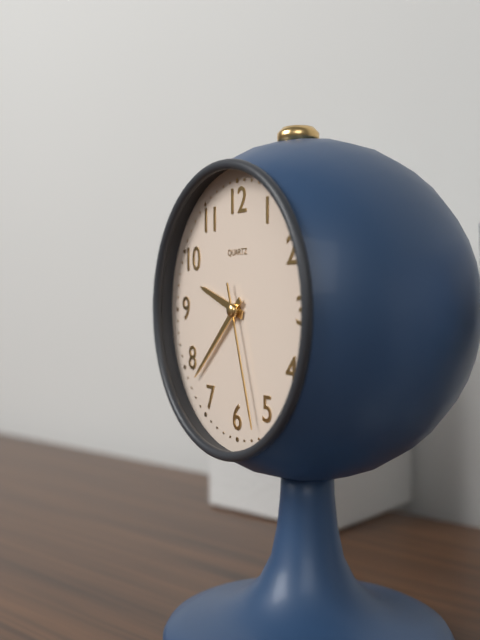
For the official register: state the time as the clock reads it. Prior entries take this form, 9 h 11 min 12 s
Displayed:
9 h 38 min 27 s
